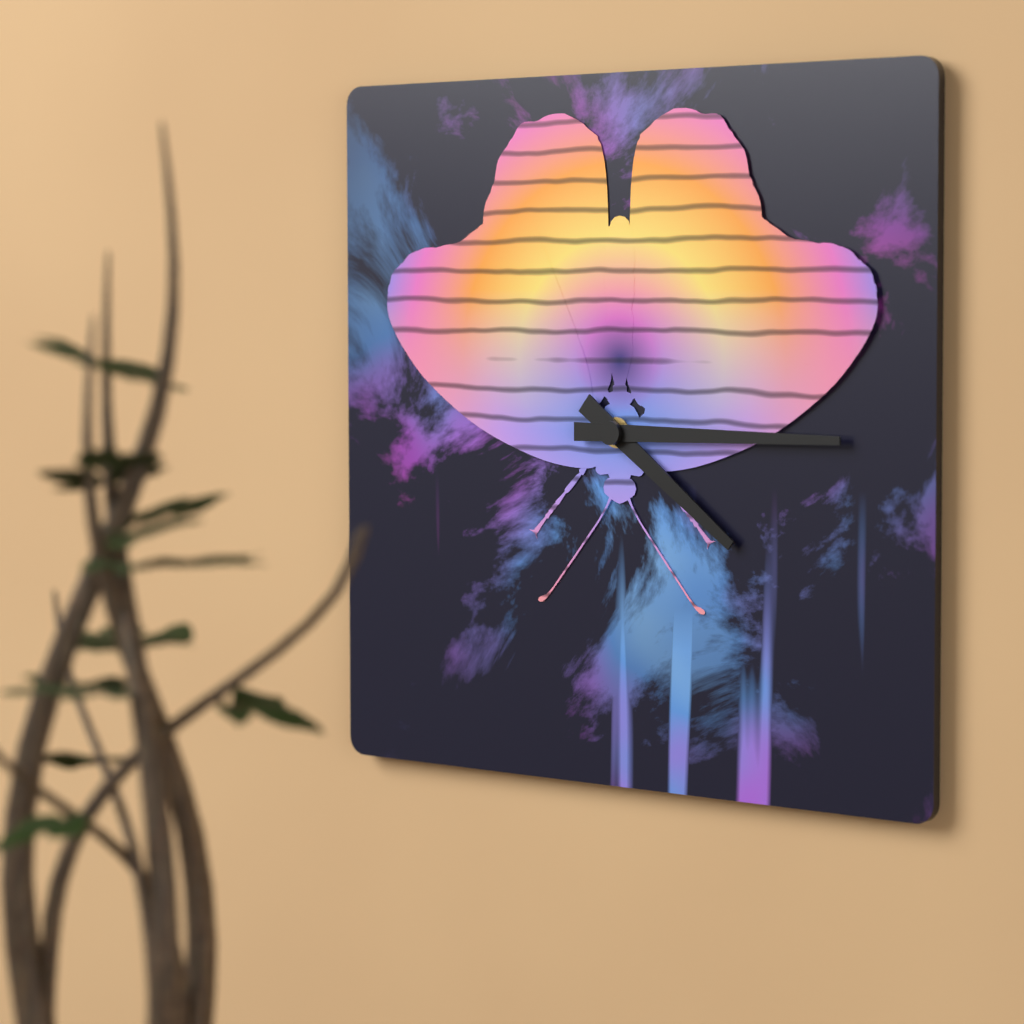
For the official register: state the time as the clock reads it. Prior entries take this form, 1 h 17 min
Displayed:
4 h 15 min
